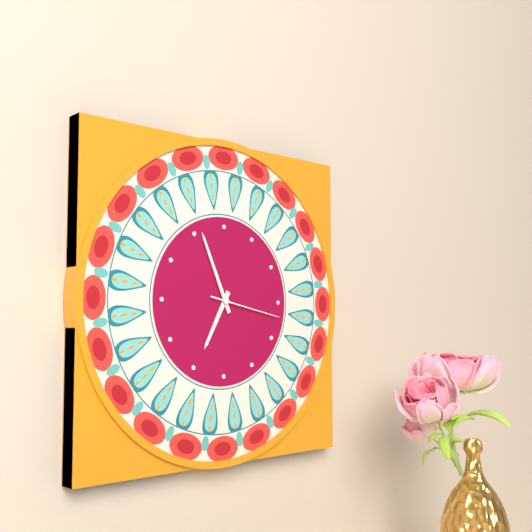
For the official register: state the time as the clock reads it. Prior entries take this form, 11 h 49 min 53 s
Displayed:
6 h 56 min 17 s
